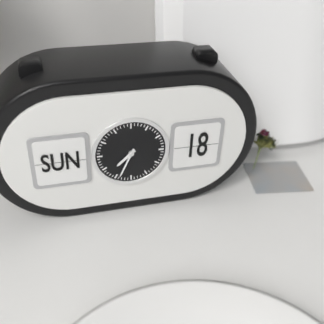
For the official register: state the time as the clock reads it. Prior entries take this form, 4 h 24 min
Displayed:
7 h 34 min
